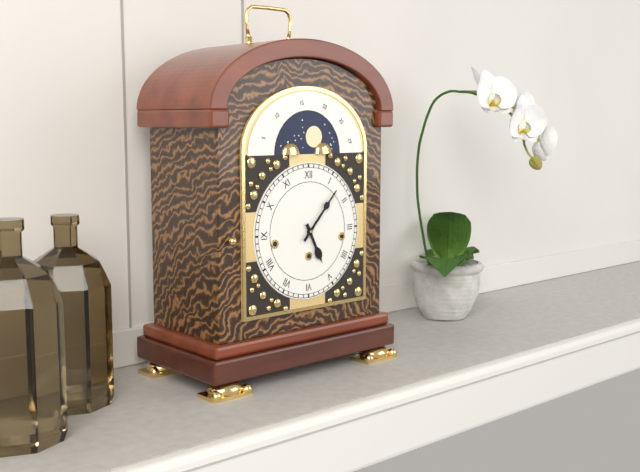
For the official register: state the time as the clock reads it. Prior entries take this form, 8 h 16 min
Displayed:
5 h 07 min
